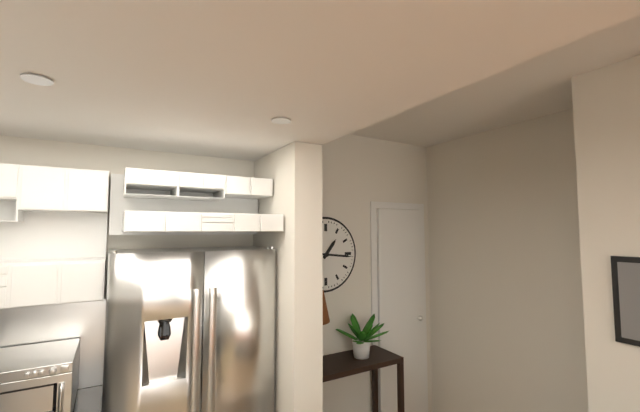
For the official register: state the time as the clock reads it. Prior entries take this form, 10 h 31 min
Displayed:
1 h 16 min
